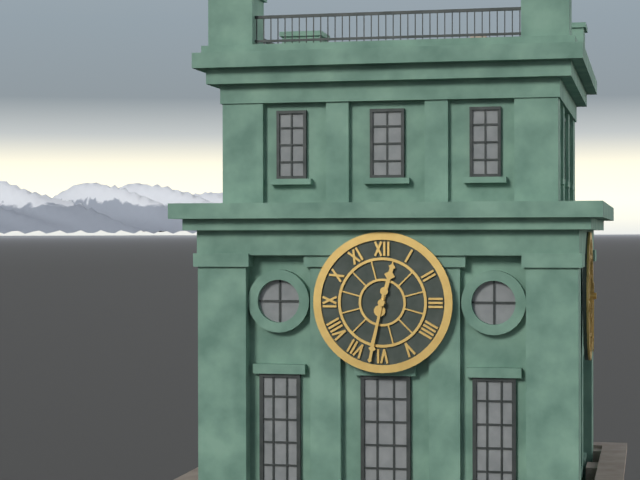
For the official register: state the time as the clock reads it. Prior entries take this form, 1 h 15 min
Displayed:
12 h 32 min
